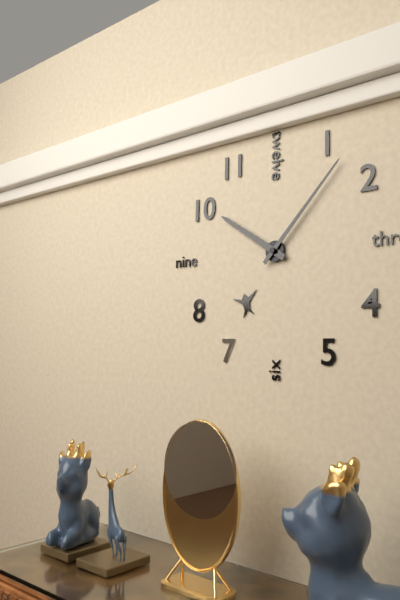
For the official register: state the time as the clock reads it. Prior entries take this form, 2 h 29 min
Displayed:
10 h 07 min
